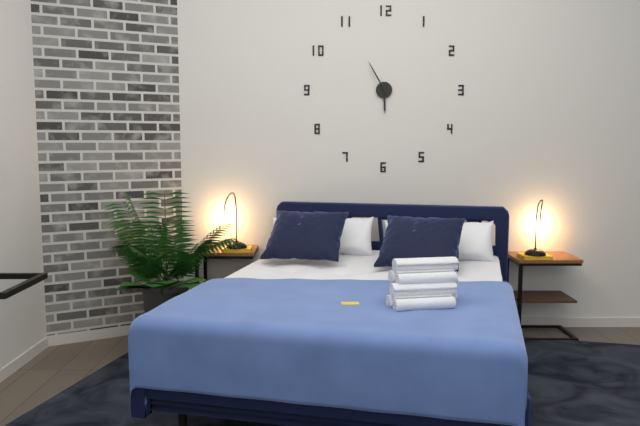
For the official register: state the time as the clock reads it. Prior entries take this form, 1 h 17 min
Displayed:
5 h 55 min
